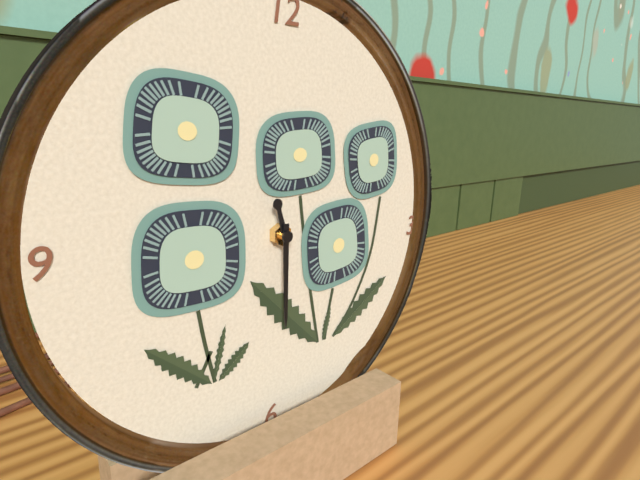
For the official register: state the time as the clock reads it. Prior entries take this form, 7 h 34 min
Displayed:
11 h 30 min
